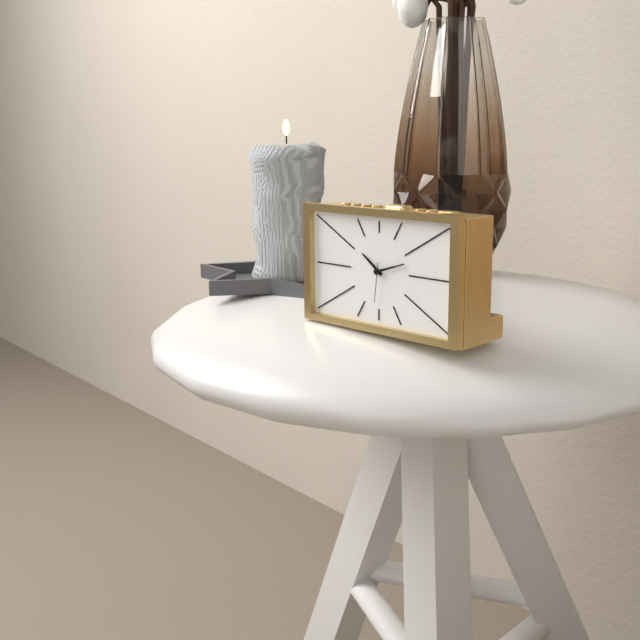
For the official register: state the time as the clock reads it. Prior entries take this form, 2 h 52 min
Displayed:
10 h 12 min
